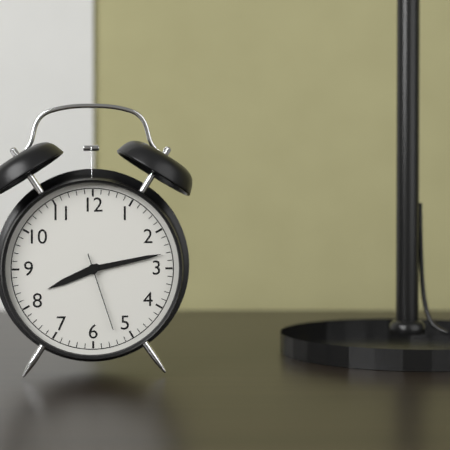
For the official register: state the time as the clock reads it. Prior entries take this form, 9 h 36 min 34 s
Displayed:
8 h 13 min 27 s
